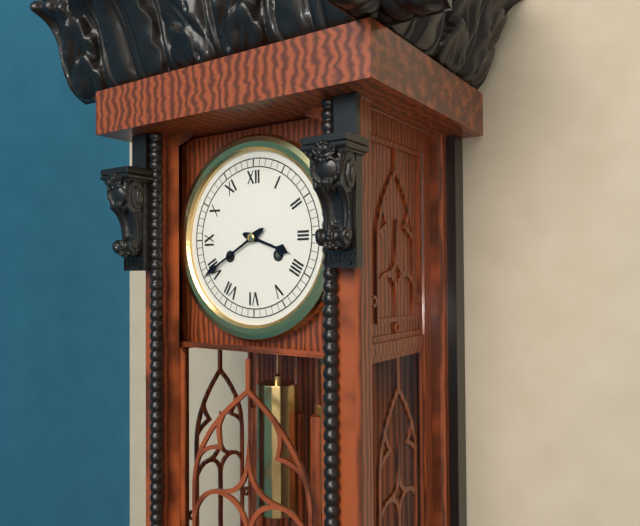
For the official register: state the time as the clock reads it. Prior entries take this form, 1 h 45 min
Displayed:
3 h 40 min
